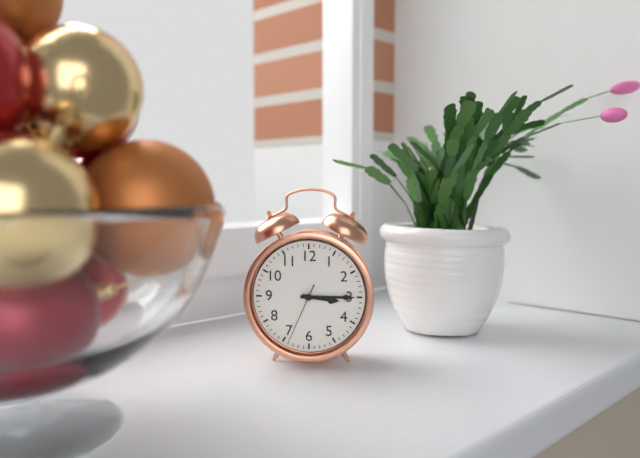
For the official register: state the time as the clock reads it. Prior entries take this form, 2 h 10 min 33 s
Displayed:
3 h 15 min 34 s
